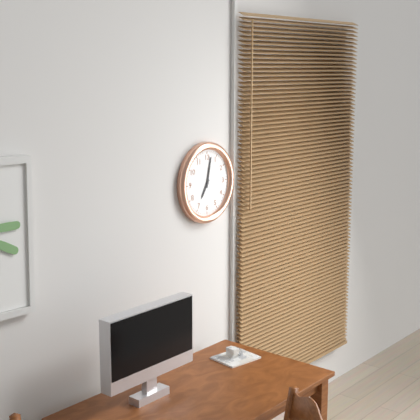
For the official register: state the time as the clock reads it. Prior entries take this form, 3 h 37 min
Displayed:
7 h 02 min
